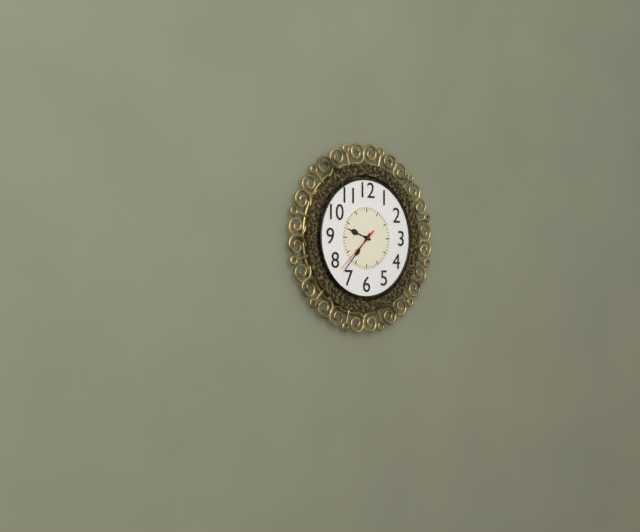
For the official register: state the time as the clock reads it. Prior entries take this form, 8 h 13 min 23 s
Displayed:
9 h 37 min 38 s
